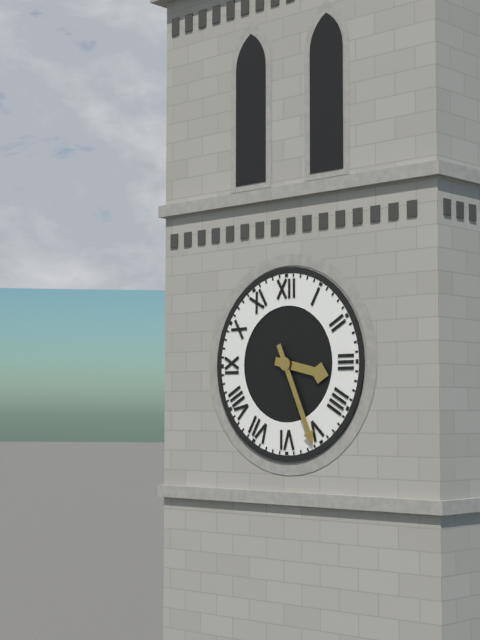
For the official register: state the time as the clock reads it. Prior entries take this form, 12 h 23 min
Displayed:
3 h 26 min
